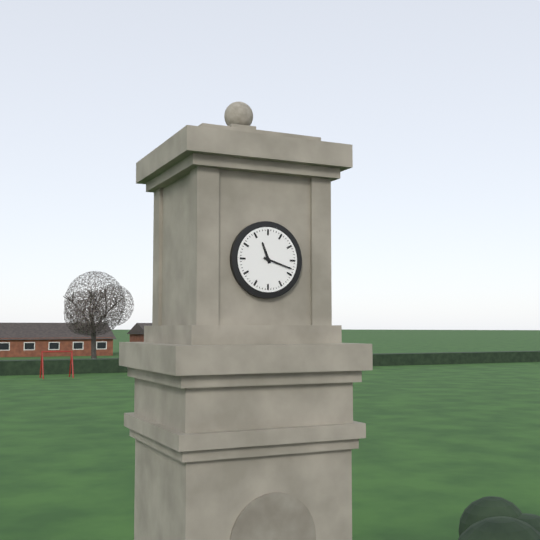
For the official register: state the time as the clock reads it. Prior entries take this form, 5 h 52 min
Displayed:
11 h 18 min
